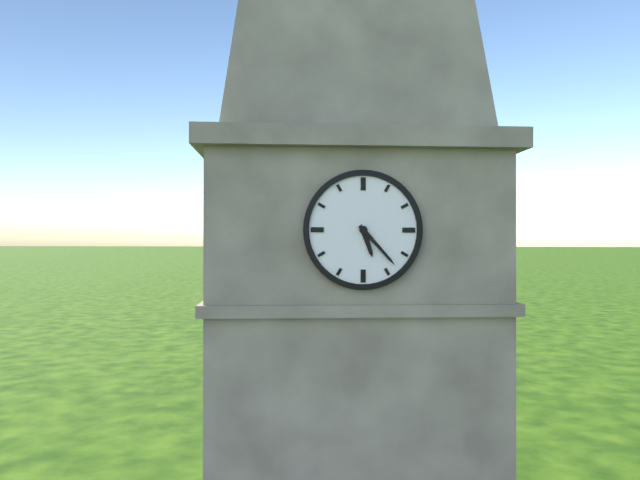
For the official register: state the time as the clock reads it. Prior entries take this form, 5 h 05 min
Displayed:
5 h 23 min
